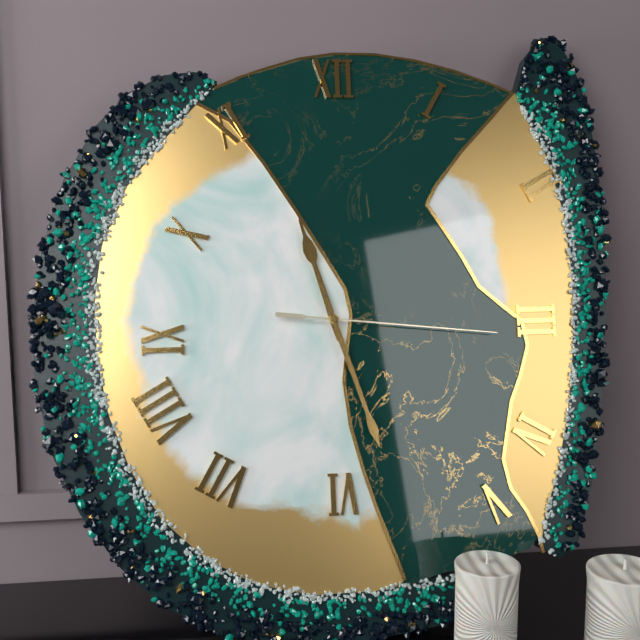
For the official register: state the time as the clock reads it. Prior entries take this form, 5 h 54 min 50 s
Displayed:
11 h 27 min 16 s
